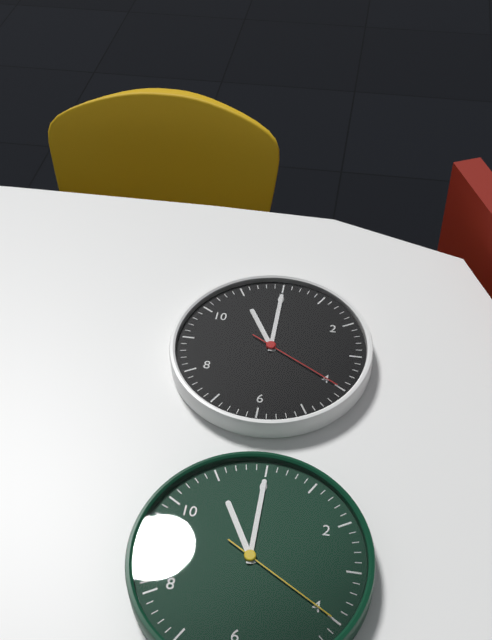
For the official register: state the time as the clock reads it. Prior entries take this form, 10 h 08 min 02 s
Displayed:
11 h 00 min 20 s
